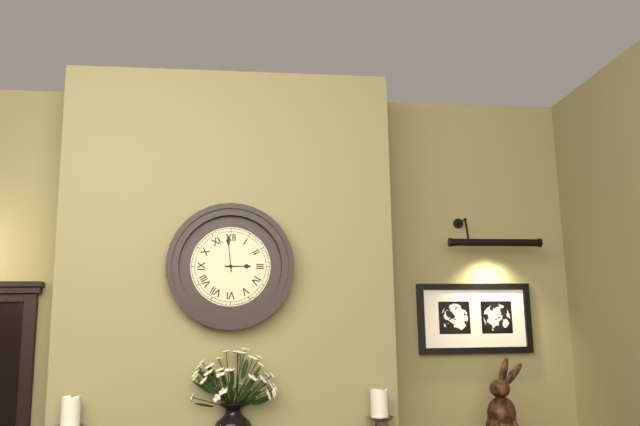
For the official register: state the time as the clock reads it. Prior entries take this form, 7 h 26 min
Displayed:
2 h 59 min
